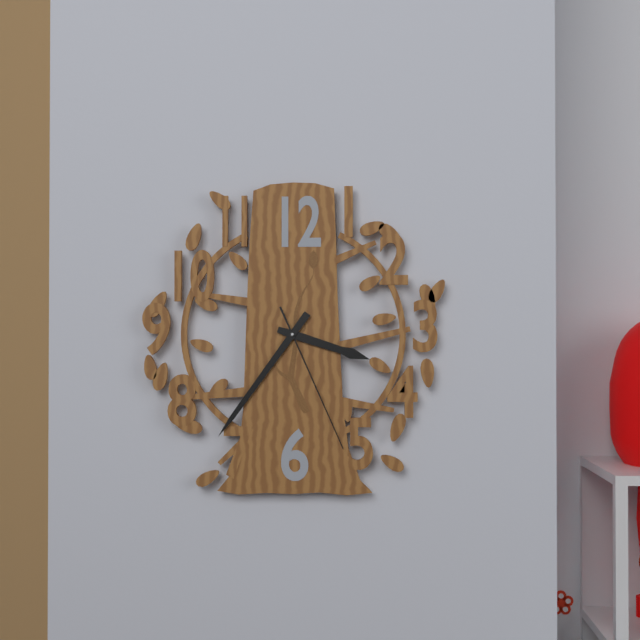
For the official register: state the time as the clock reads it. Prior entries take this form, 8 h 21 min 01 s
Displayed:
3 h 36 min 26 s
